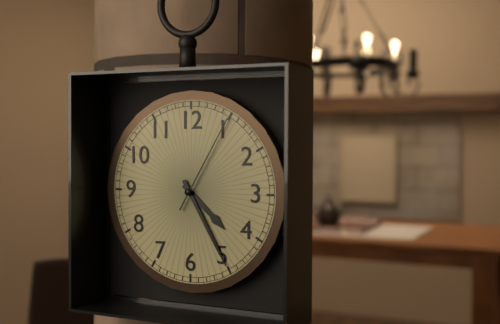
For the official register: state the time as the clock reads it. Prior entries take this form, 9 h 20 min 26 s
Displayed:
4 h 25 min 05 s
